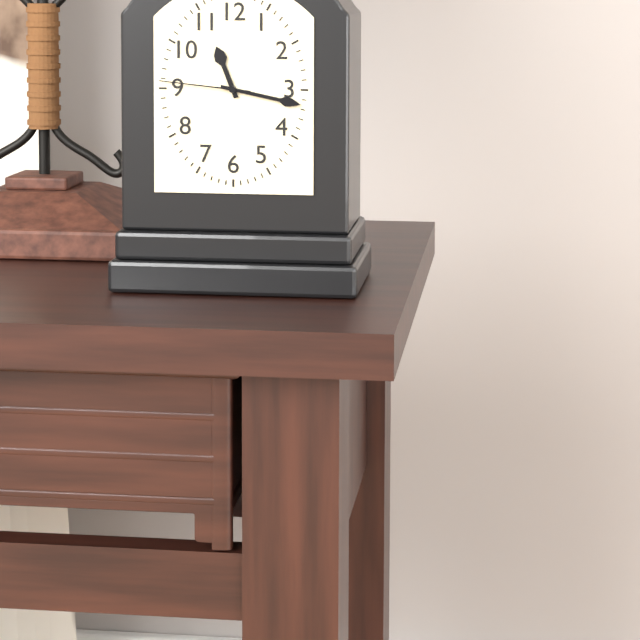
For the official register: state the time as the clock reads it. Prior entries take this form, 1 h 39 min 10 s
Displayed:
11 h 17 min 46 s
